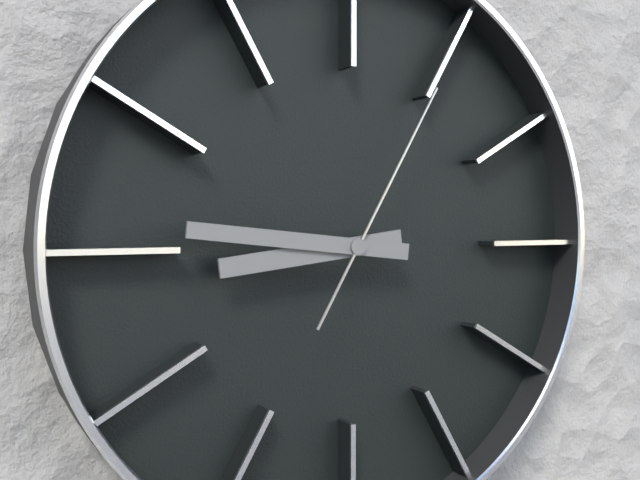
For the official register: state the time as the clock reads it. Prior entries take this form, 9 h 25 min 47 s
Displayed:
8 h 46 min 05 s
